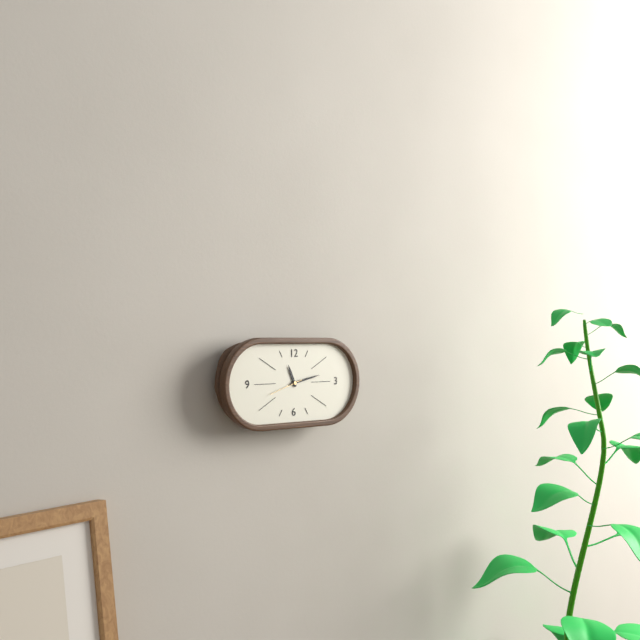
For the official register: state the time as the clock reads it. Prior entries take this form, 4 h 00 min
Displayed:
11 h 13 min
